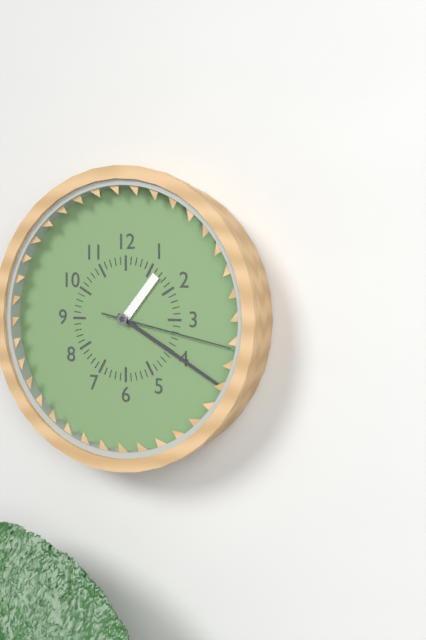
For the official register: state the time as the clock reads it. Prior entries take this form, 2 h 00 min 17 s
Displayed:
1 h 20 min 17 s
